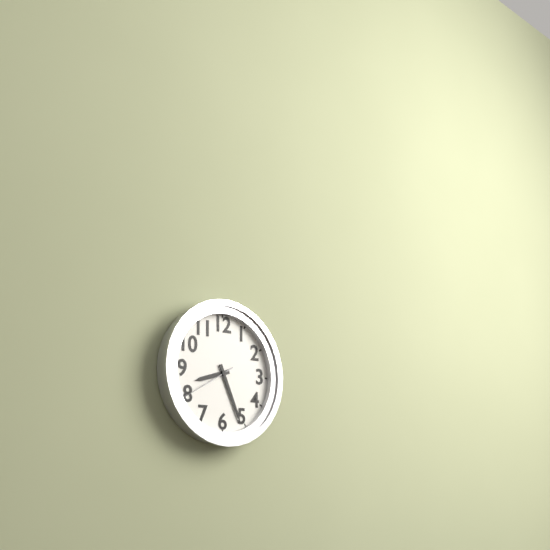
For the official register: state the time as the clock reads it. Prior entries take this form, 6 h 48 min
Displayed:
8 h 26 min
